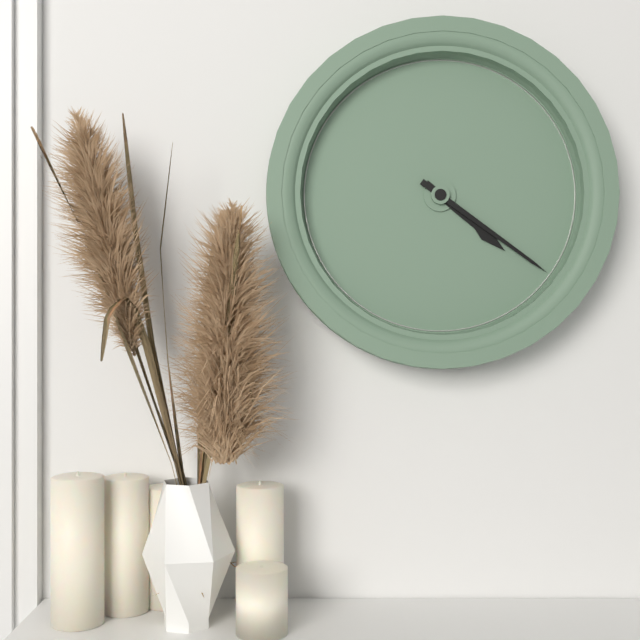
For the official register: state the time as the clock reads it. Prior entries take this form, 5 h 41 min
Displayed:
4 h 21 min
